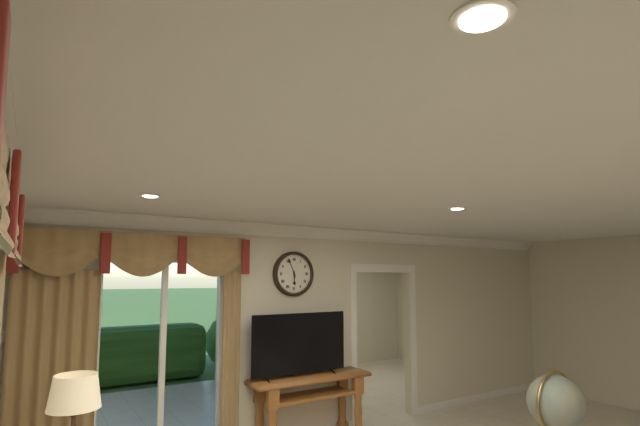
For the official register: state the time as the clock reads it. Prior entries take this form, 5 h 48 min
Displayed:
5 h 56 min
